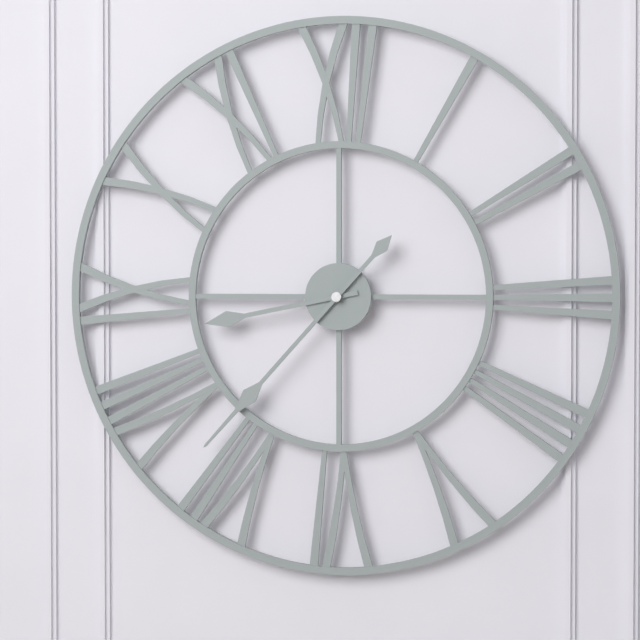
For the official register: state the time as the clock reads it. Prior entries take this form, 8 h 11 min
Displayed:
8 h 37 min
